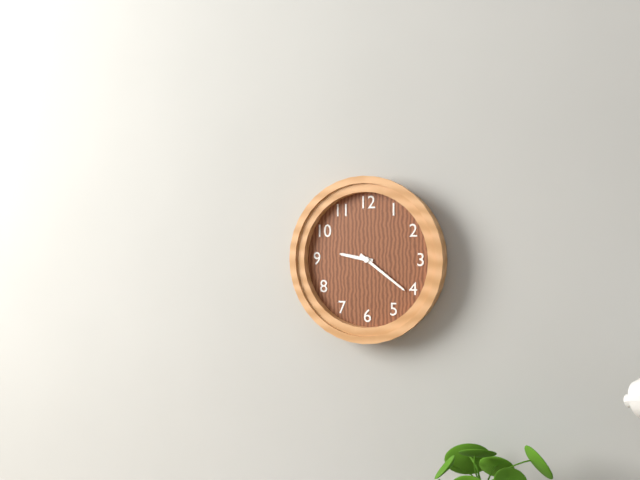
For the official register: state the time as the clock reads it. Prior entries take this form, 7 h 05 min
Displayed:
9 h 21 min
